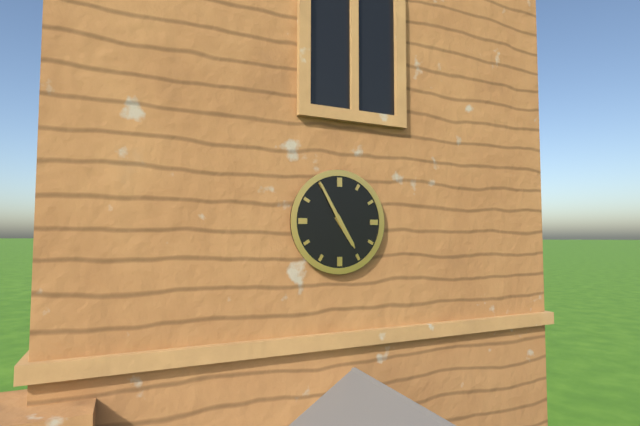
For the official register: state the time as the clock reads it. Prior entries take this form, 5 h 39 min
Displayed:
4 h 55 min
